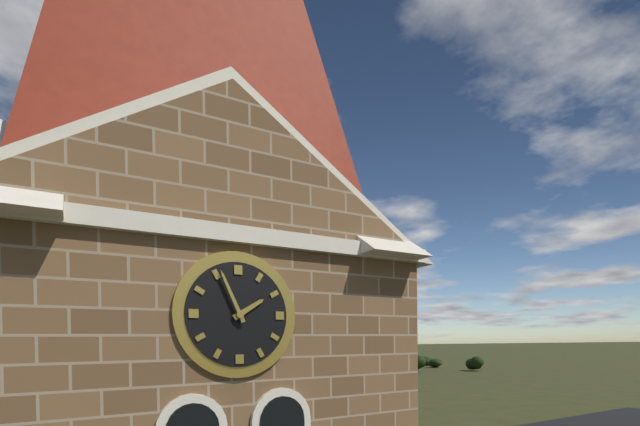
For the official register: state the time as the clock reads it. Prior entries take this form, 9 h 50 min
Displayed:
1 h 56 min
